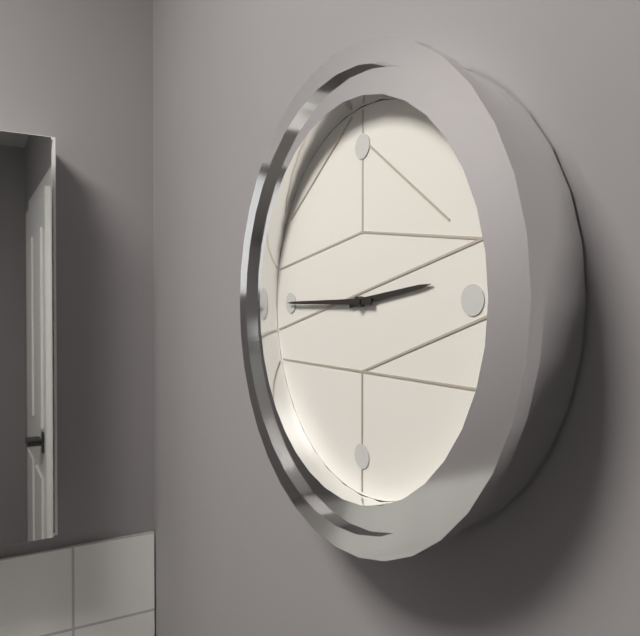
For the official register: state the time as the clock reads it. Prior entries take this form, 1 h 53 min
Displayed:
2 h 45 min
